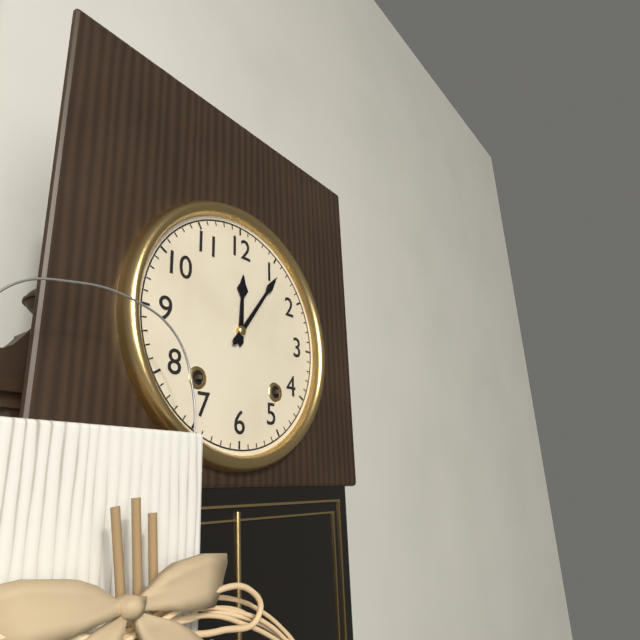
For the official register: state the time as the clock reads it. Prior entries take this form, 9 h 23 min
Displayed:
12 h 06 min
